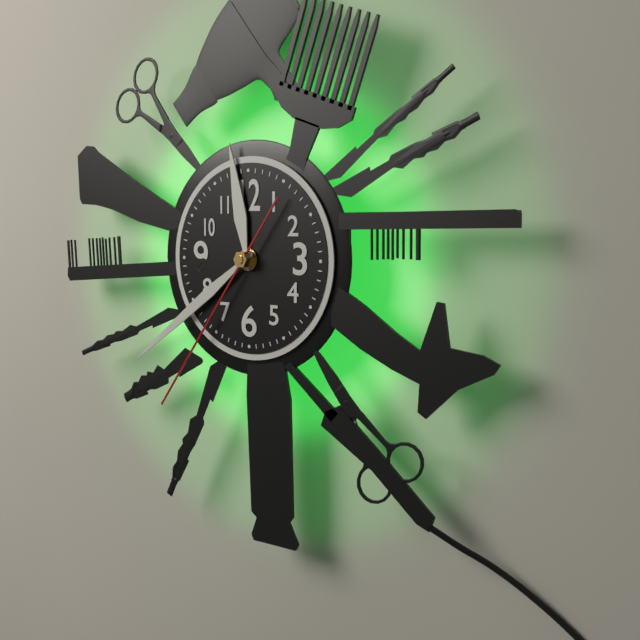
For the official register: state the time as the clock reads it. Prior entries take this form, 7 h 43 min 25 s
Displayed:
11 h 39 min 36 s
